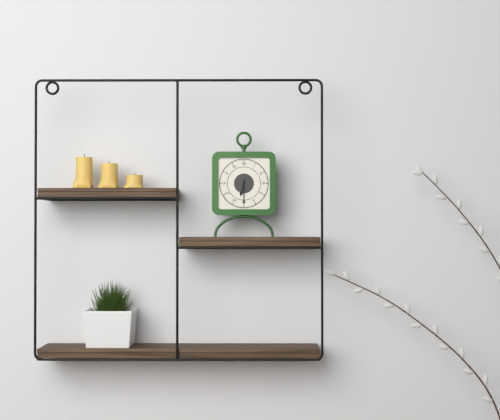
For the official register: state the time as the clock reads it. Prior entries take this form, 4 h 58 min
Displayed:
6 h 30 min
